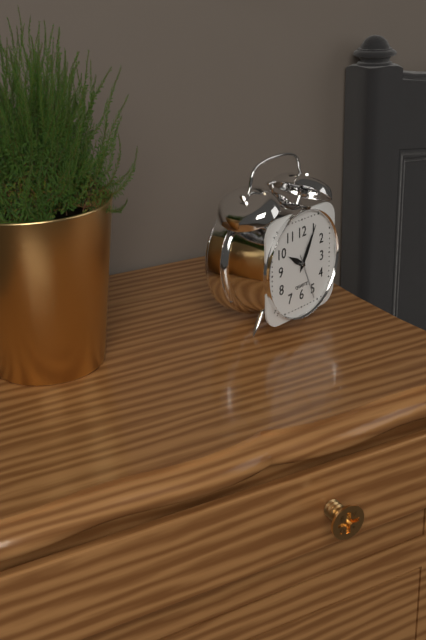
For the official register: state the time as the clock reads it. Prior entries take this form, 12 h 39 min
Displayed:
10 h 05 min
